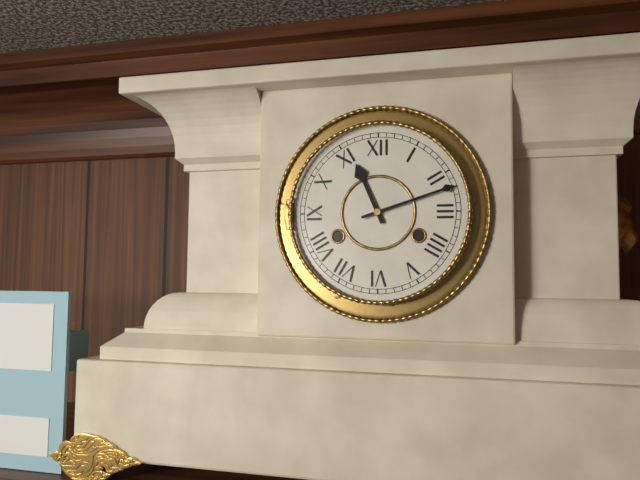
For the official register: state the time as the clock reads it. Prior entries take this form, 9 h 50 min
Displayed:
11 h 12 min
